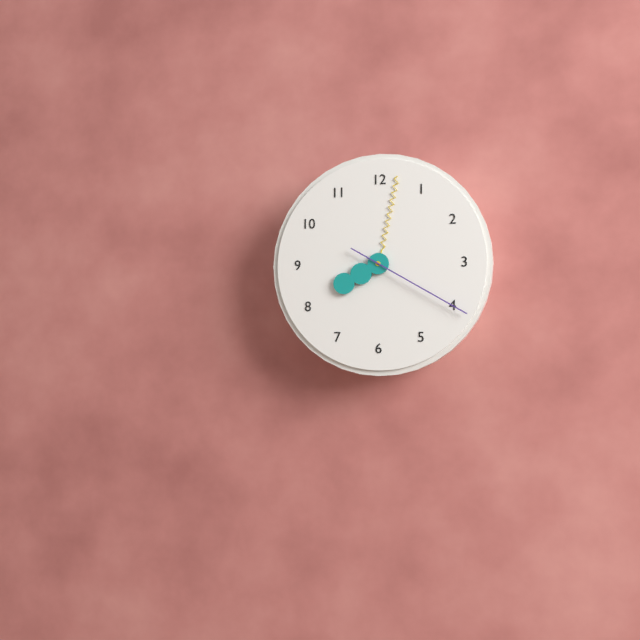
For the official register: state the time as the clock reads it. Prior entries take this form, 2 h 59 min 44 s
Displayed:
8 h 02 min 20 s
